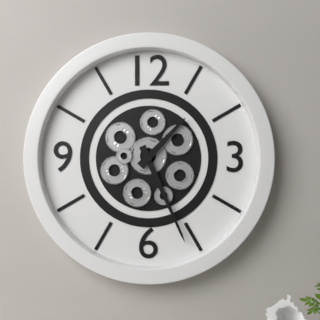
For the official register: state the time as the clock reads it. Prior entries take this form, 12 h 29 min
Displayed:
1 h 26 min
